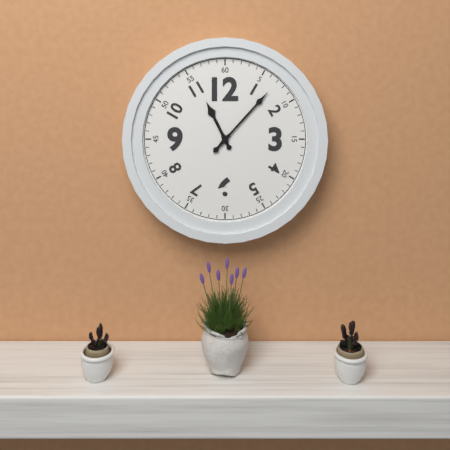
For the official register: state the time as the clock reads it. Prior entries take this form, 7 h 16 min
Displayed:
11 h 07 min
